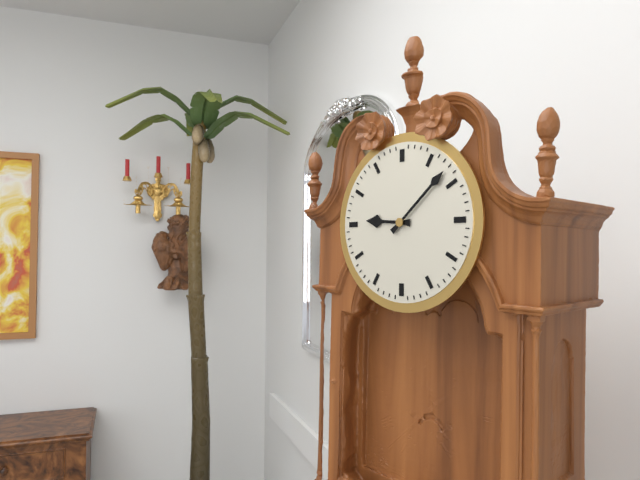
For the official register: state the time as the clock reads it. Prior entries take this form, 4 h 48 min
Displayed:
9 h 08 min
